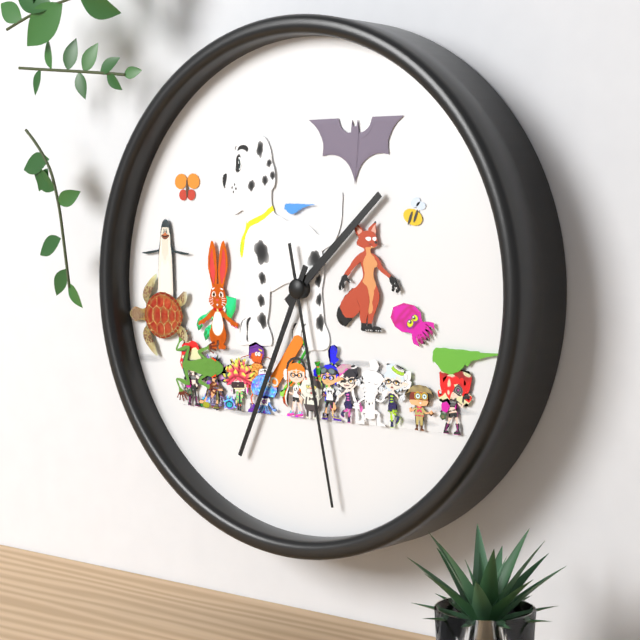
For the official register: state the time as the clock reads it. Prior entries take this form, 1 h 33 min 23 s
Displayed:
1 h 34 min 28 s
